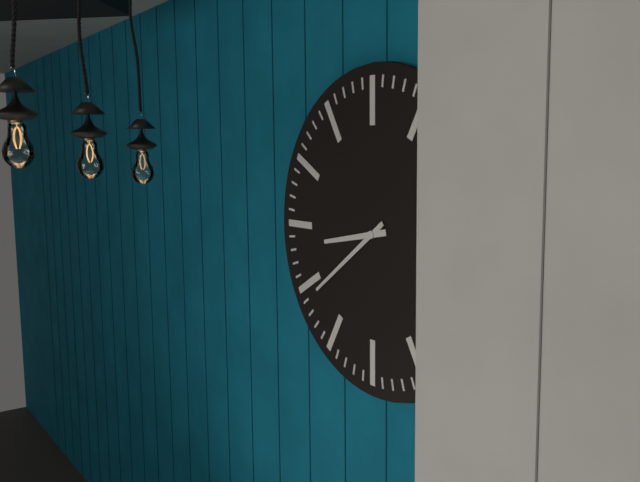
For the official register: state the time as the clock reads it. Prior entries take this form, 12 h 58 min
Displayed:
8 h 39 min
